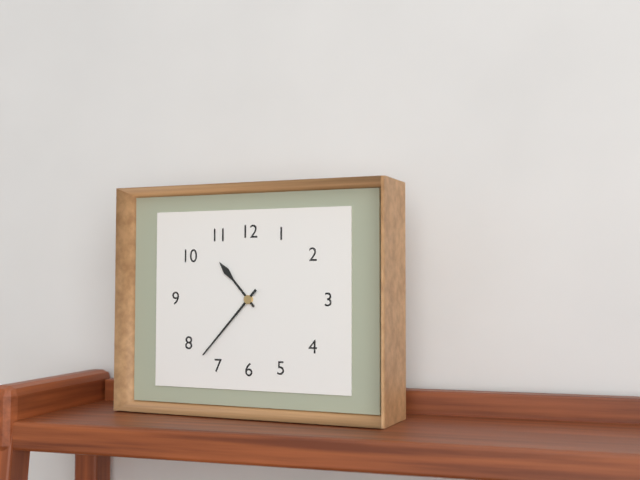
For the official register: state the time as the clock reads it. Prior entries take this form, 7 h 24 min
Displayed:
10 h 37 min
